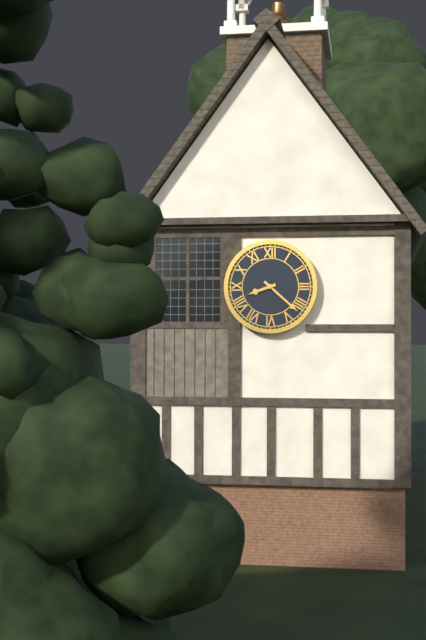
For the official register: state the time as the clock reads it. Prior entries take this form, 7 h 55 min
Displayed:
8 h 22 min
